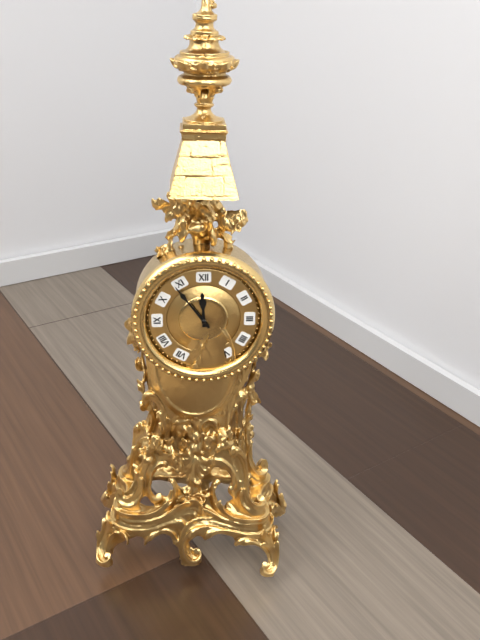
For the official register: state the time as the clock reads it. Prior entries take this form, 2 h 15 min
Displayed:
11 h 54 min
